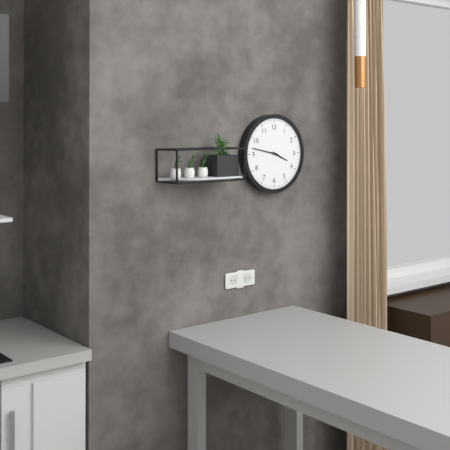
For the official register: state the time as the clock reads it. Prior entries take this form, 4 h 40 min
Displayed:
3 h 47 min
